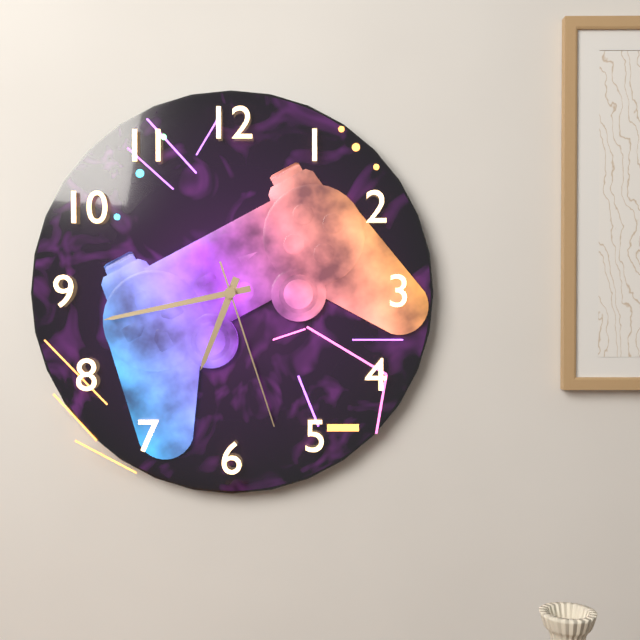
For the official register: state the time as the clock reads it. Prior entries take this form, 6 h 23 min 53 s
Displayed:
6 h 43 min 27 s
